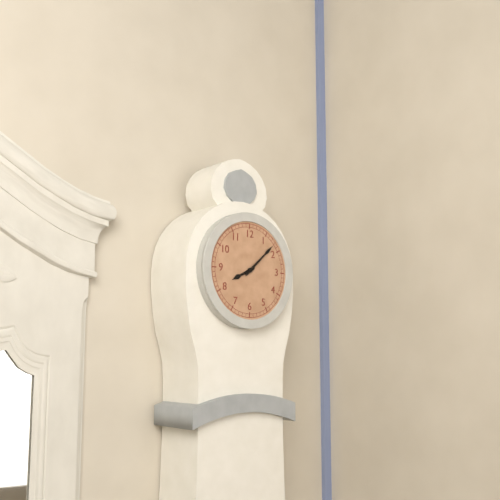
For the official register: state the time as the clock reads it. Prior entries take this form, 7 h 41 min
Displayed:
8 h 08 min
